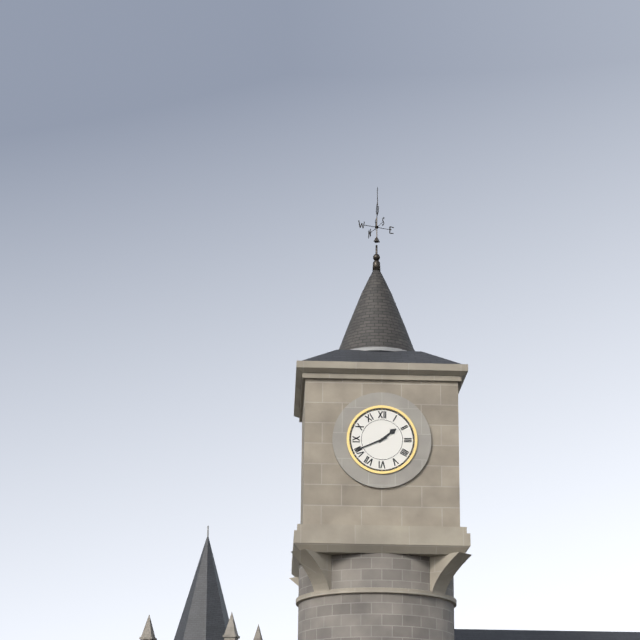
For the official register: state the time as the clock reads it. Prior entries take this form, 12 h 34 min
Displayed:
1 h 41 min
